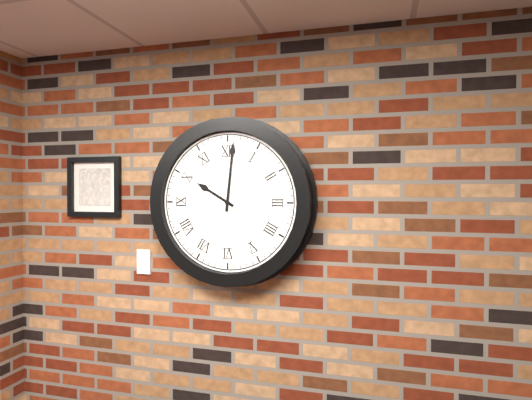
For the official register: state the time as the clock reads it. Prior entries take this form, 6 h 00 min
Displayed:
10 h 01 min
